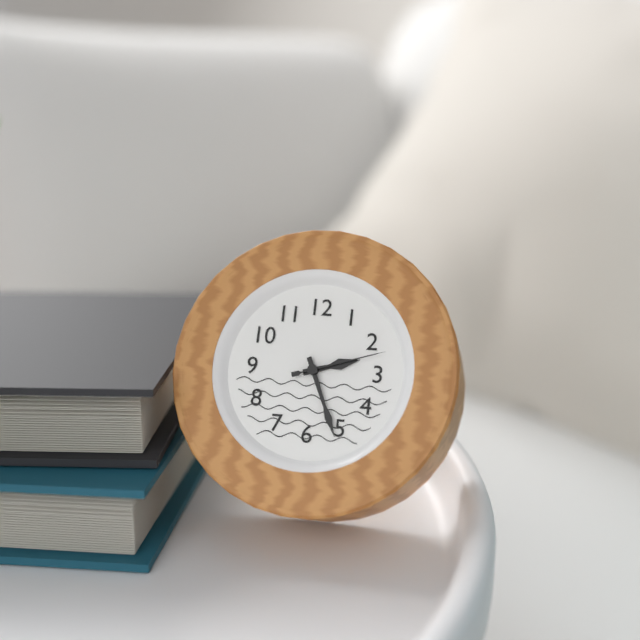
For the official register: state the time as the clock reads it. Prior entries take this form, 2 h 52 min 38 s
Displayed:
2 h 26 min 12 s
